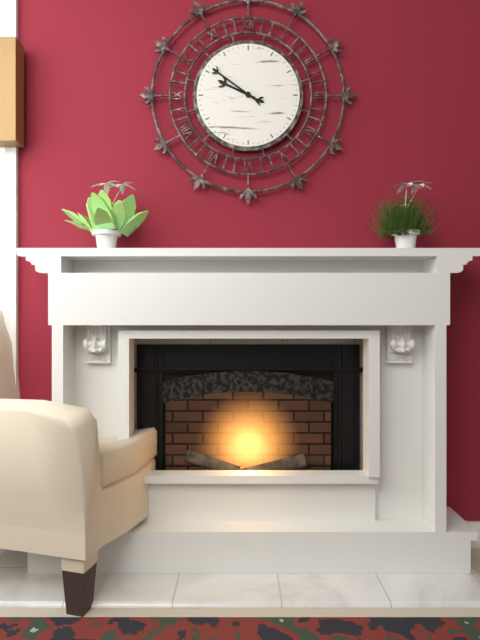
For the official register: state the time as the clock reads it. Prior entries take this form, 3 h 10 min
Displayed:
9 h 51 min
